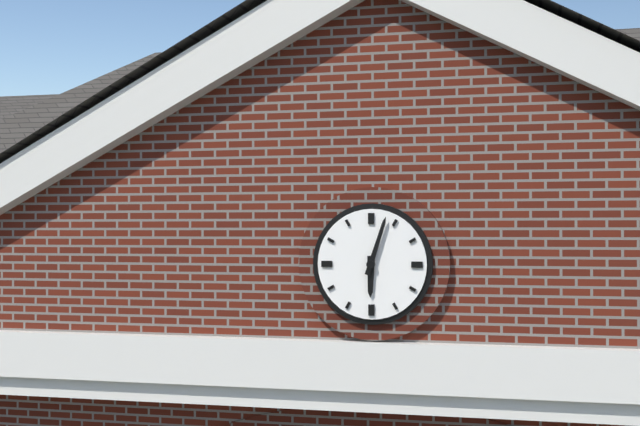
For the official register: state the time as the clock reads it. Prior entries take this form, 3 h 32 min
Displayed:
6 h 03 min
